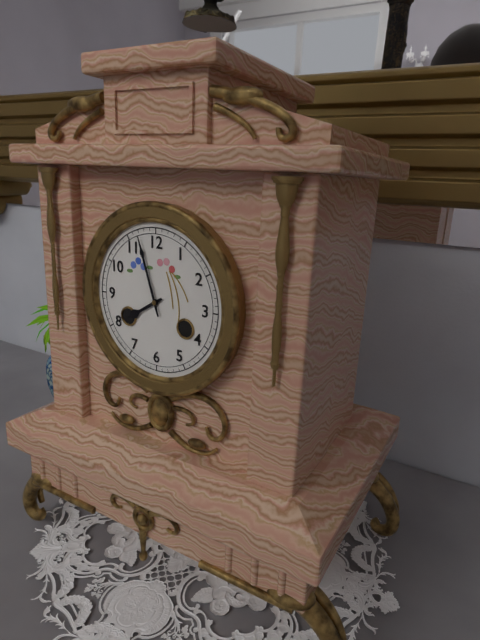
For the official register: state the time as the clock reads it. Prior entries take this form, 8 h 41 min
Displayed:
7 h 57 min
